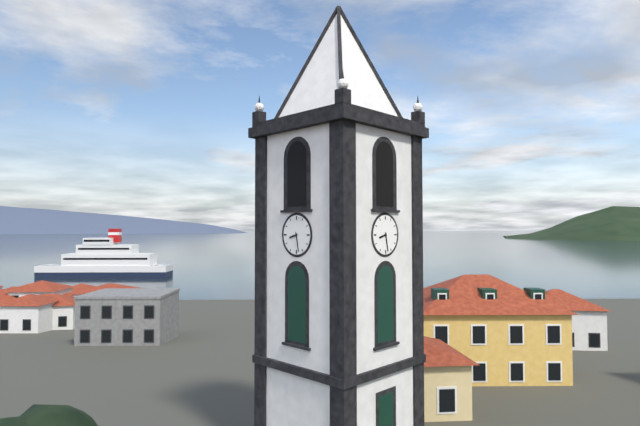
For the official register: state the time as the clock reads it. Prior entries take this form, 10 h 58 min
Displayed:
8 h 28 min
